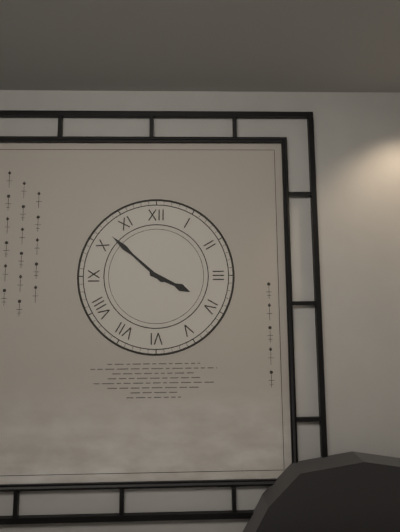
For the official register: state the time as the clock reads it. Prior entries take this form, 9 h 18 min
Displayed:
3 h 52 min
